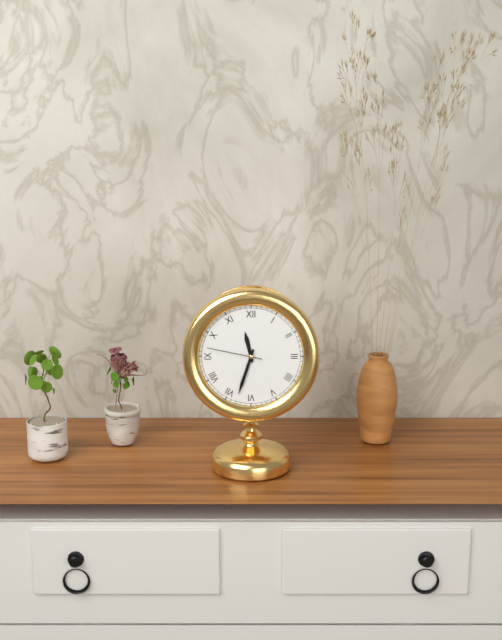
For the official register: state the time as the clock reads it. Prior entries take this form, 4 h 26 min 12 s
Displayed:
11 h 33 min 47 s
